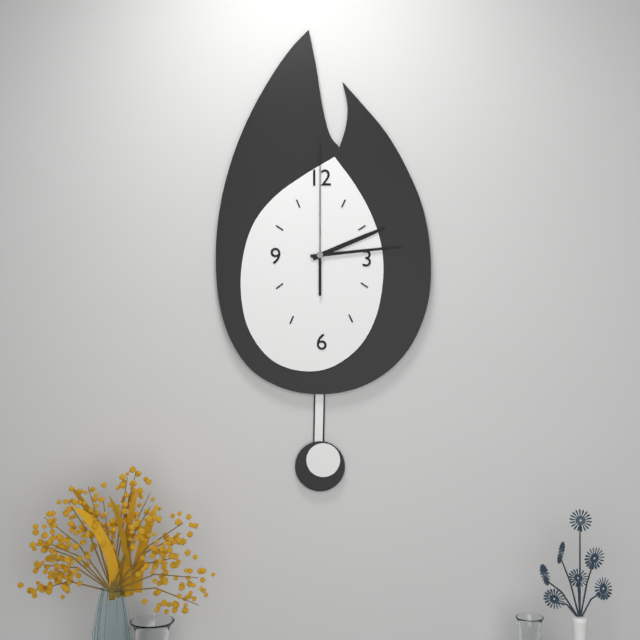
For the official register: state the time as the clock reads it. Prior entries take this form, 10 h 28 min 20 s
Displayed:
2 h 14 min 00 s
